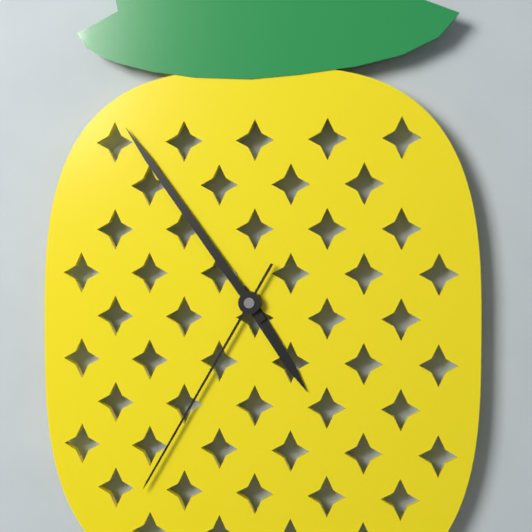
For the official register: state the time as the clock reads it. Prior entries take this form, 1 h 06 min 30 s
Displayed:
4 h 54 min 35 s
